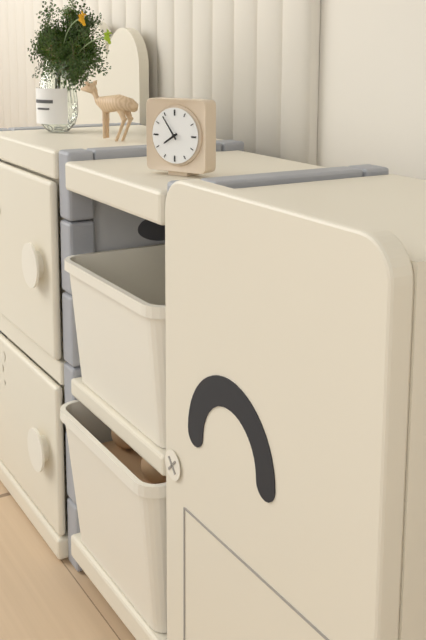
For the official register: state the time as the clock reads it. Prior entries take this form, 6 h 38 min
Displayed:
7 h 54 min
